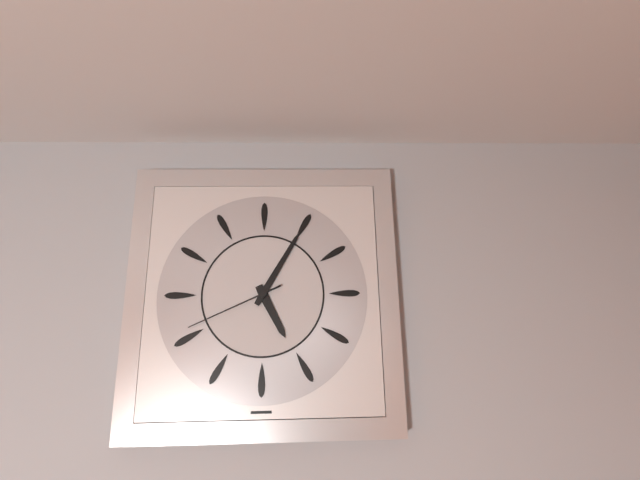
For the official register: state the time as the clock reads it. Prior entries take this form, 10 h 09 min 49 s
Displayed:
5 h 05 min 41 s
